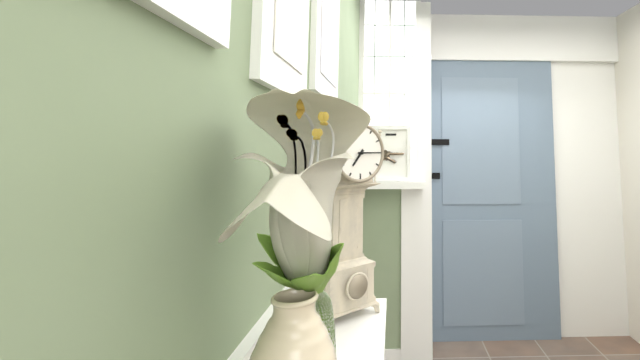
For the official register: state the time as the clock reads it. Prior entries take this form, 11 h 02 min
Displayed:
7 h 15 min
